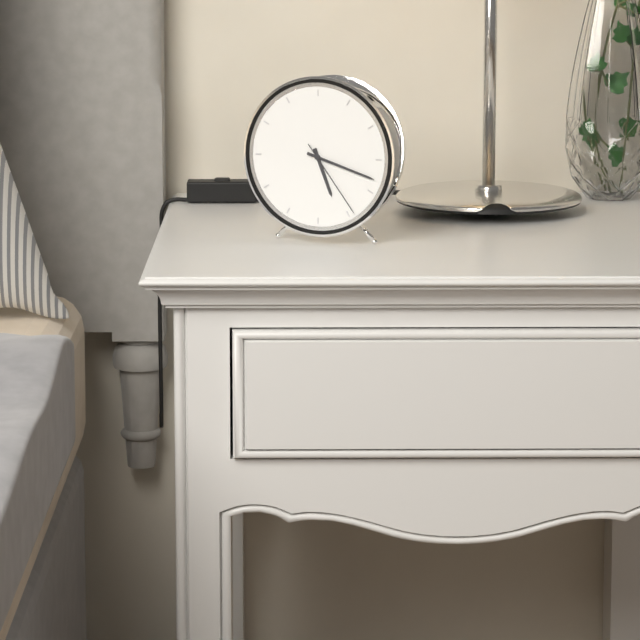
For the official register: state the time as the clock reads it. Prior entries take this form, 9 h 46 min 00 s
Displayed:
5 h 18 min 24 s
